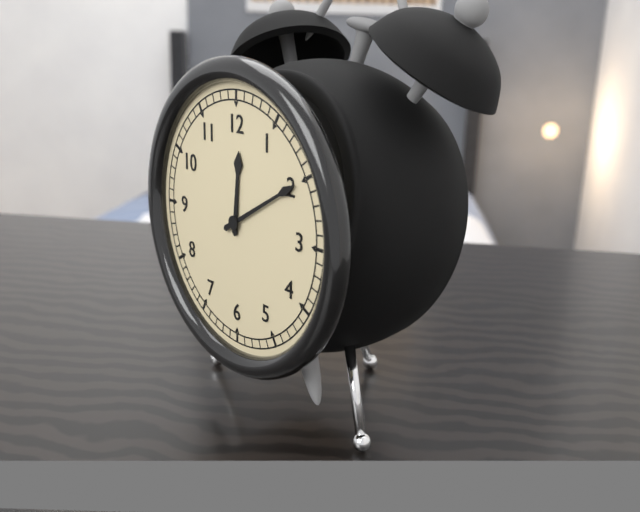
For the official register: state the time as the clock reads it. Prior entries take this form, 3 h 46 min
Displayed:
12 h 10 min
